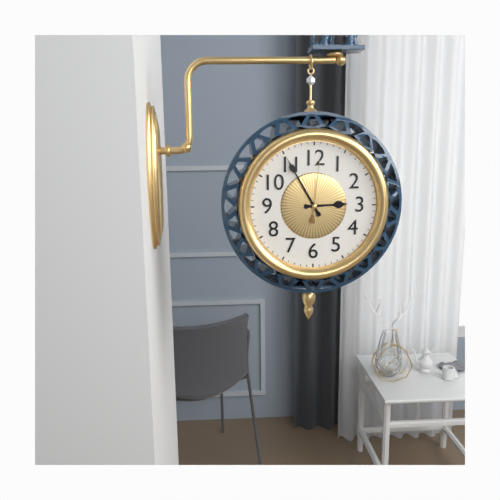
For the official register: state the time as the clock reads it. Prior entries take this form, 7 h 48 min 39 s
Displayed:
2 h 55 min 01 s
